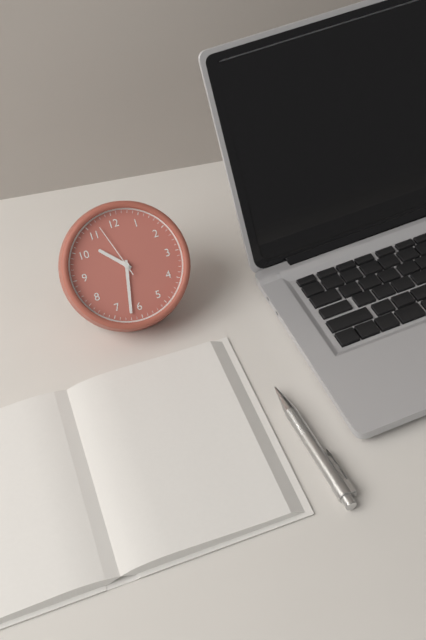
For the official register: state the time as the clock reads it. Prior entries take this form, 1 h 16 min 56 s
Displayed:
10 h 32 min 57 s
